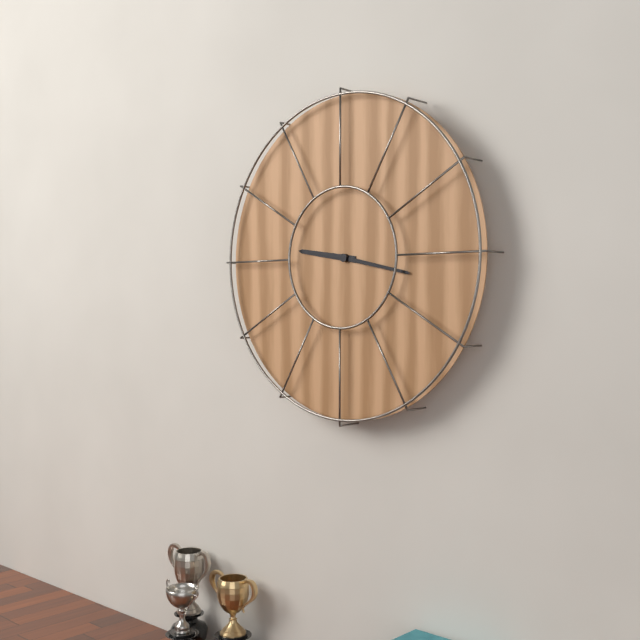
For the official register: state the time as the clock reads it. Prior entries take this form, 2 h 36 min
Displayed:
9 h 17 min
